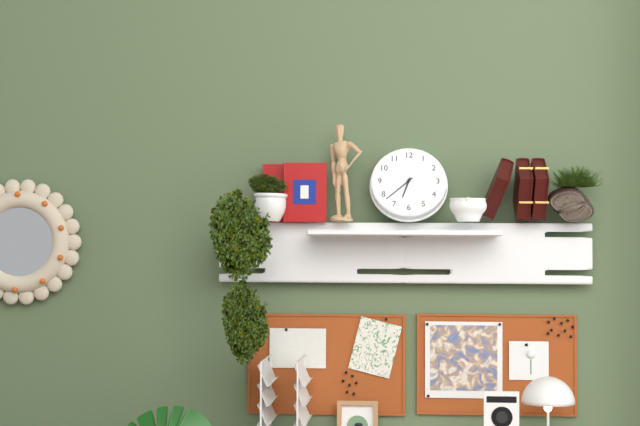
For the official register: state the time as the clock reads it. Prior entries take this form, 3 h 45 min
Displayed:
6 h 38 min
